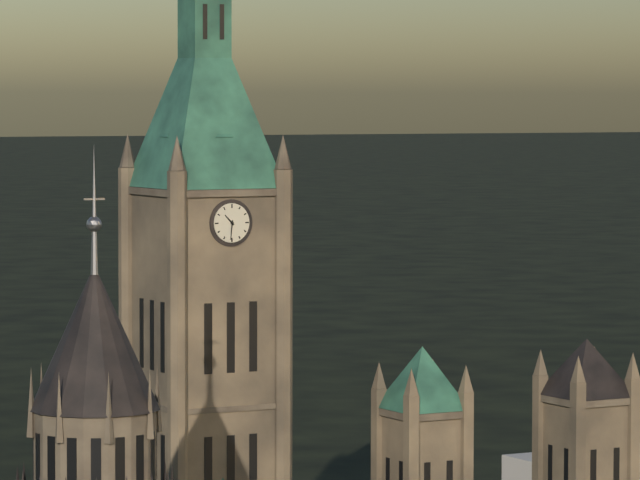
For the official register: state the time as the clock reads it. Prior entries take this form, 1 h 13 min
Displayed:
10 h 31 min
